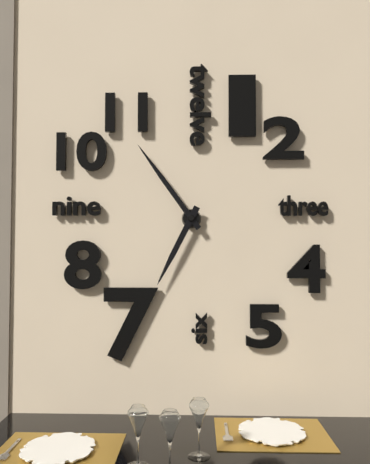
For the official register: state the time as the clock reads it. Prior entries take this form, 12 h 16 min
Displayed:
6 h 54 min
